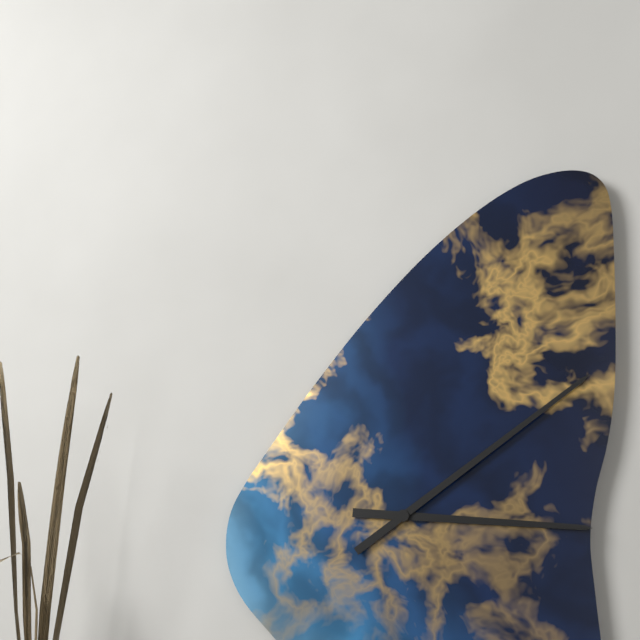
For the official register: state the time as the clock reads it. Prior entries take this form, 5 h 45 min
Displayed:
3 h 09 min
